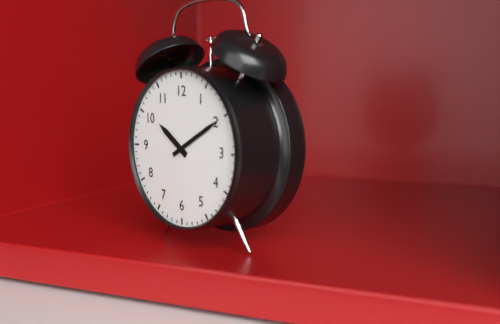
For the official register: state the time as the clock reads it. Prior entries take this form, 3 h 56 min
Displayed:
10 h 10 min
